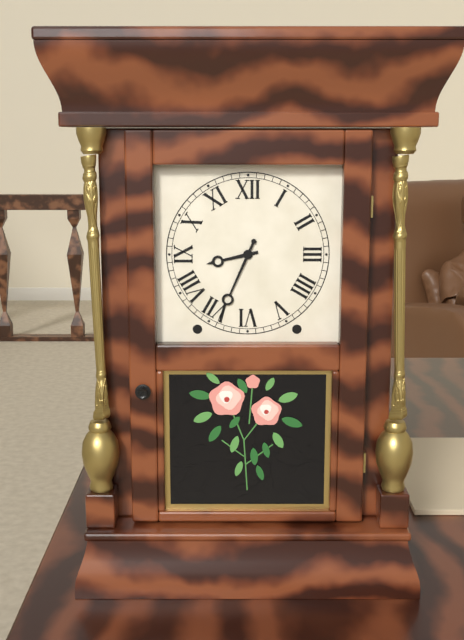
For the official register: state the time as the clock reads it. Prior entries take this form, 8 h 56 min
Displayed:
8 h 34 min
